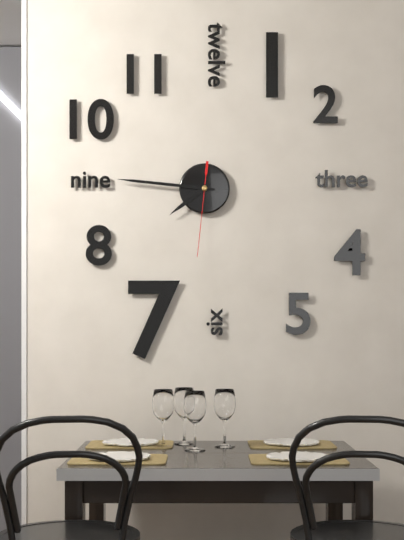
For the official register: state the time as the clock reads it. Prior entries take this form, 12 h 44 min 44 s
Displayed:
7 h 46 min 31 s
